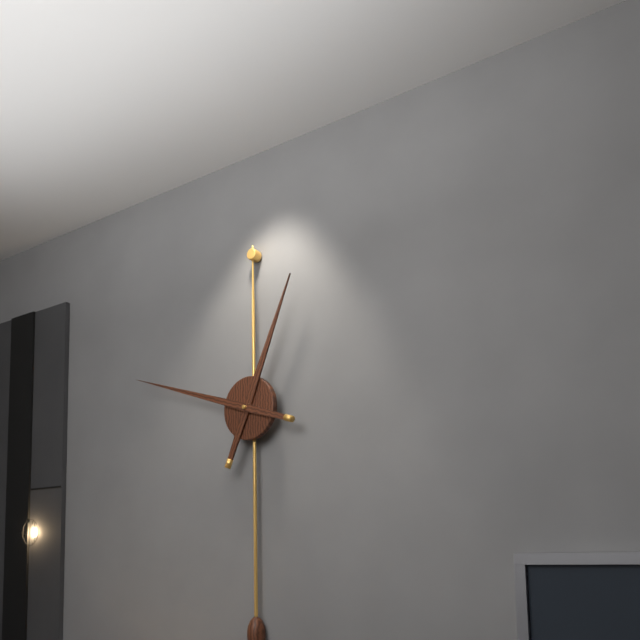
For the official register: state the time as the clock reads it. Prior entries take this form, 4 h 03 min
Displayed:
12 h 48 min
